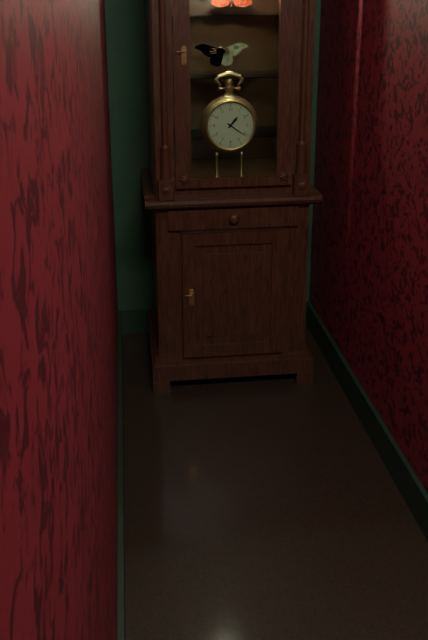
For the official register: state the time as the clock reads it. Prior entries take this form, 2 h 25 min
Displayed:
1 h 21 min
